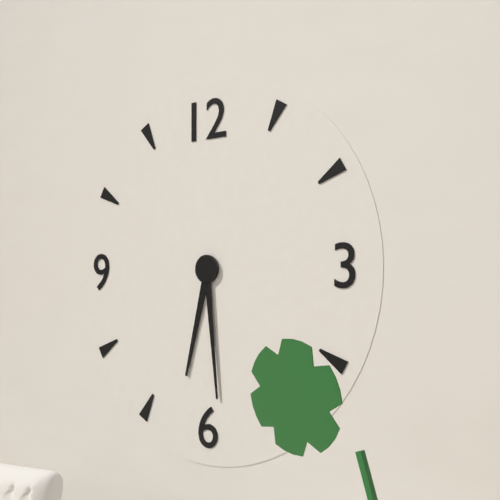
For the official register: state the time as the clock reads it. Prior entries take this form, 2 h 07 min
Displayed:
6 h 29 min
